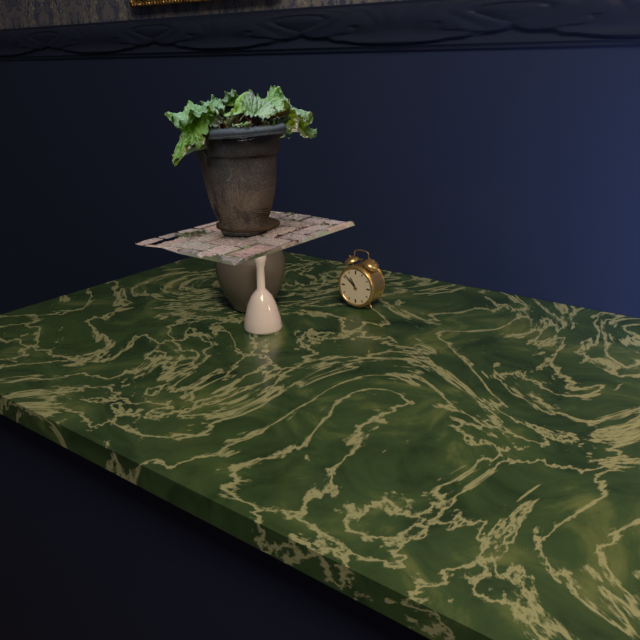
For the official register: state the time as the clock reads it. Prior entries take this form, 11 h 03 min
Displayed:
10 h 52 min
